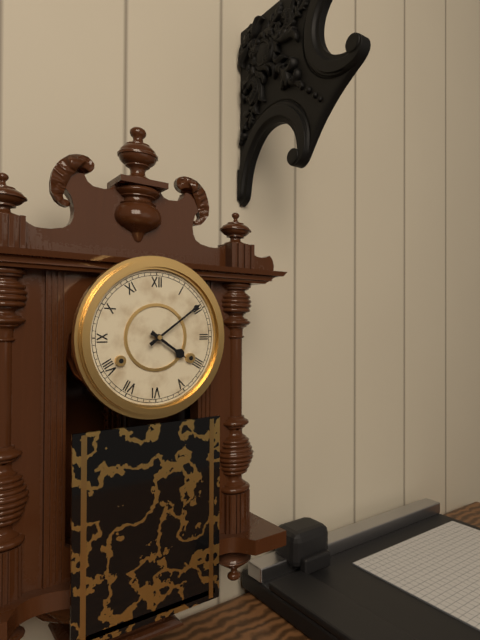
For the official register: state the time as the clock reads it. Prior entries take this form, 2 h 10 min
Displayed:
4 h 09 min
